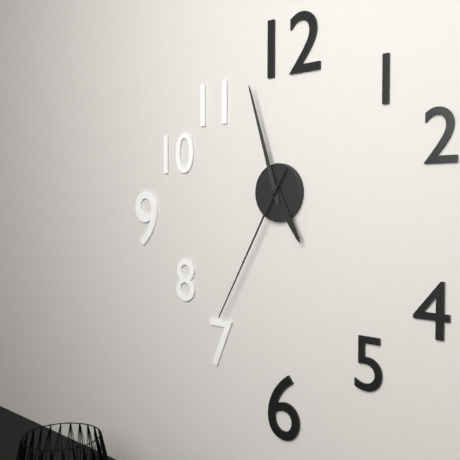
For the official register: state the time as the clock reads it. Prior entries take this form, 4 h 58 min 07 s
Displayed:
4 h 57 min 35 s
